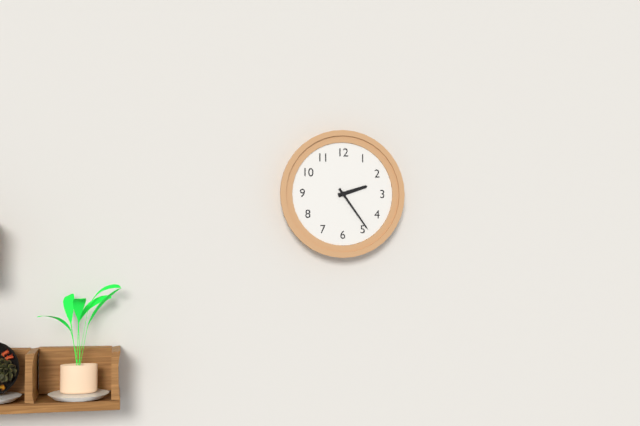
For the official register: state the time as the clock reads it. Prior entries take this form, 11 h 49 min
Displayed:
2 h 24 min
